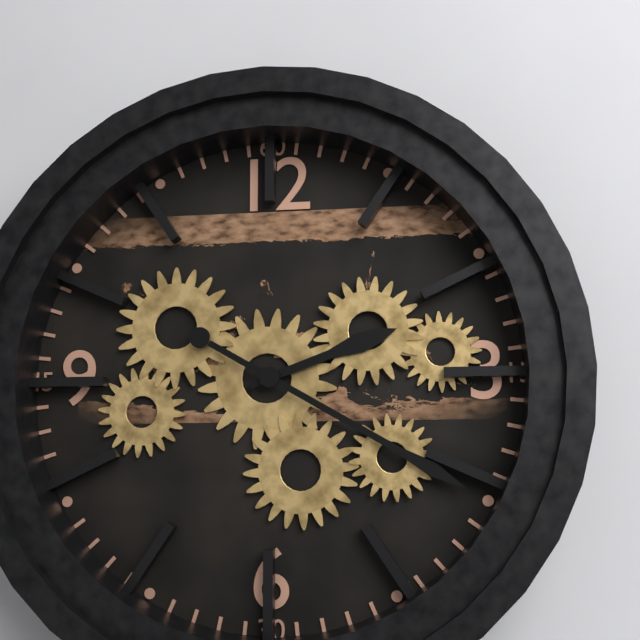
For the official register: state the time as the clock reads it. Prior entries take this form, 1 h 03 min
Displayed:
2 h 20 min
